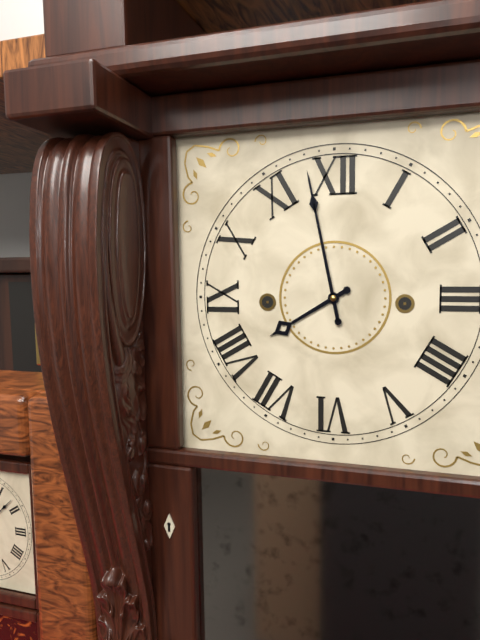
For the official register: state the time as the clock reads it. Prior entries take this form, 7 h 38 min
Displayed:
7 h 58 min
